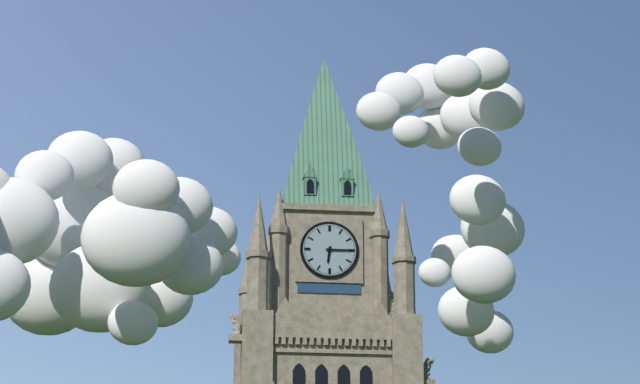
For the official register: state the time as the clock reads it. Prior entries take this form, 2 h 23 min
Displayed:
6 h 15 min
